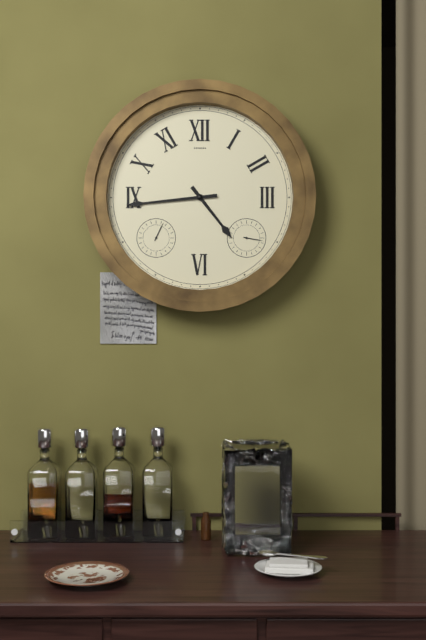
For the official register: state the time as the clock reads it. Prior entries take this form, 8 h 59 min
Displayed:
4 h 44 min
